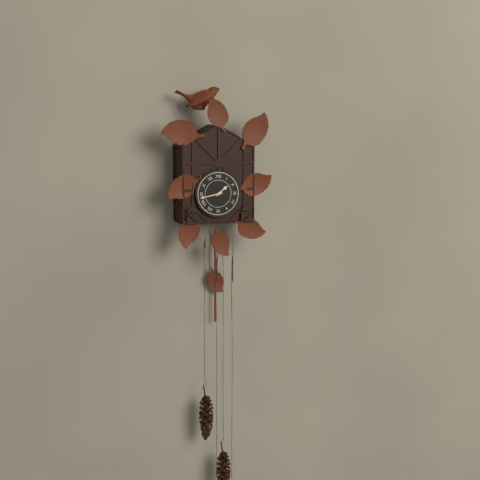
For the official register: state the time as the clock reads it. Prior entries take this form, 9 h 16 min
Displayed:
1 h 43 min
